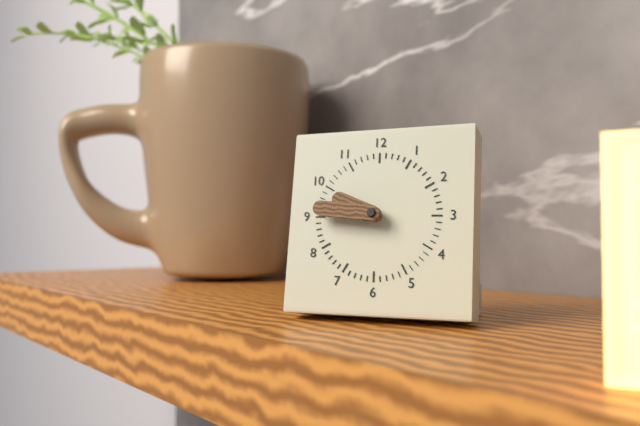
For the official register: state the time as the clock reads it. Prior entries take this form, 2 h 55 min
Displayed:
9 h 46 min
